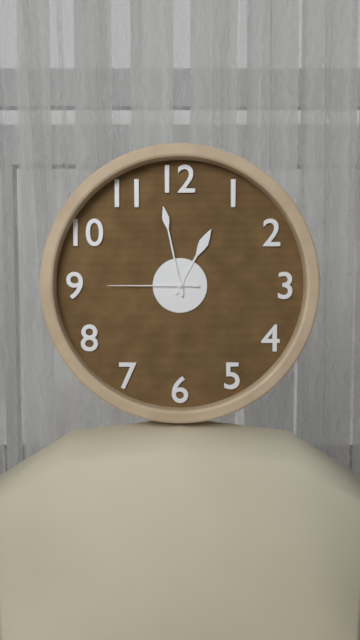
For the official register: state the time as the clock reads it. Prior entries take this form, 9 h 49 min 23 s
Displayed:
12 h 58 min 45 s
